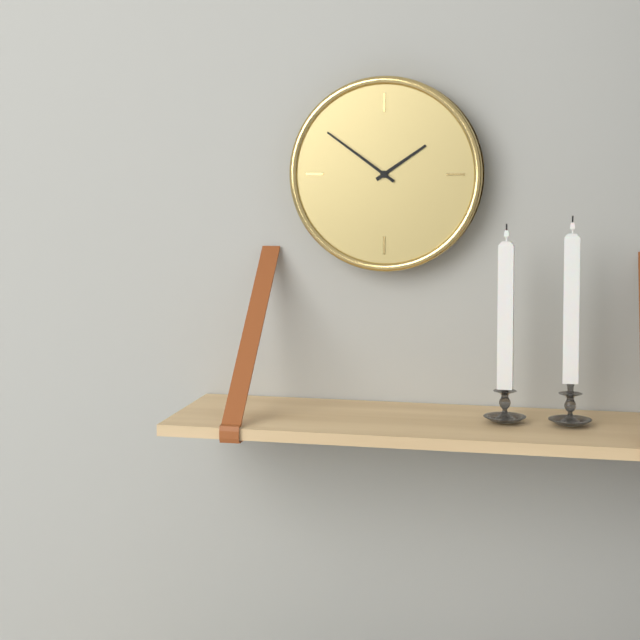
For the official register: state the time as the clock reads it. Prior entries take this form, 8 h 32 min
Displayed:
1 h 51 min
